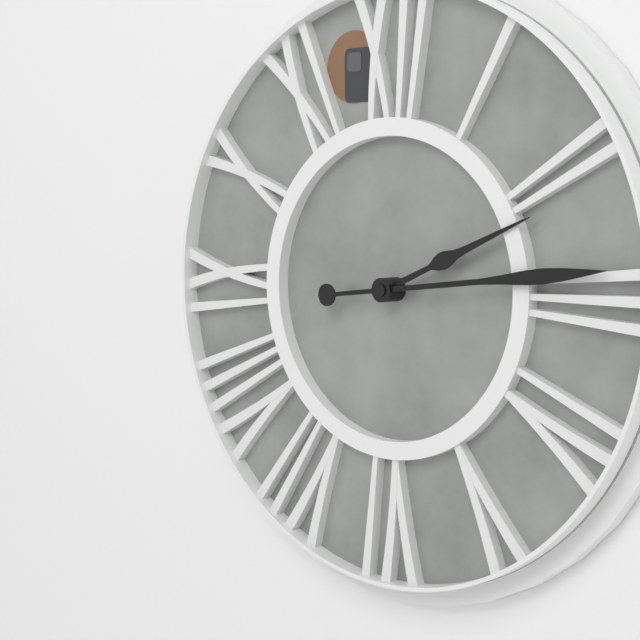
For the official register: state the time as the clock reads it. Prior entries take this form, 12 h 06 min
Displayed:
2 h 14 min
